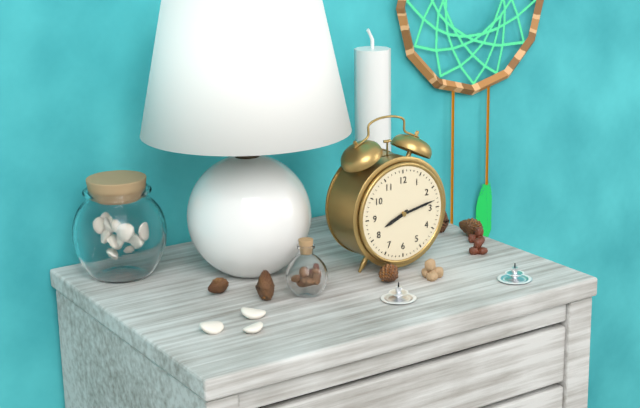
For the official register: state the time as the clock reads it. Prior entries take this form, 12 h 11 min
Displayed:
8 h 13 min
